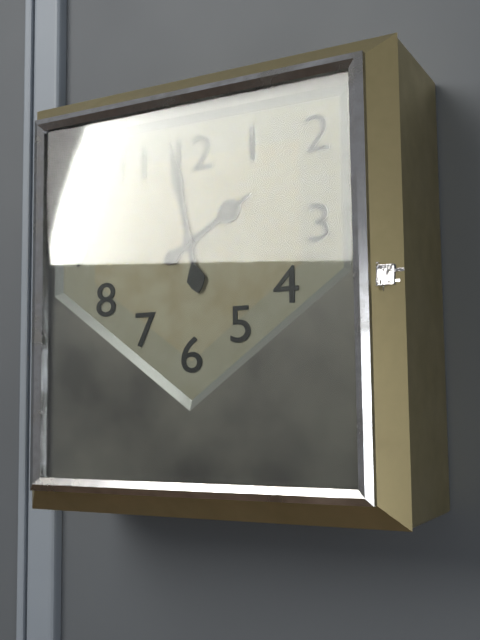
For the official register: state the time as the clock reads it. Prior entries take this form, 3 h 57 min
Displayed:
1 h 58 min
